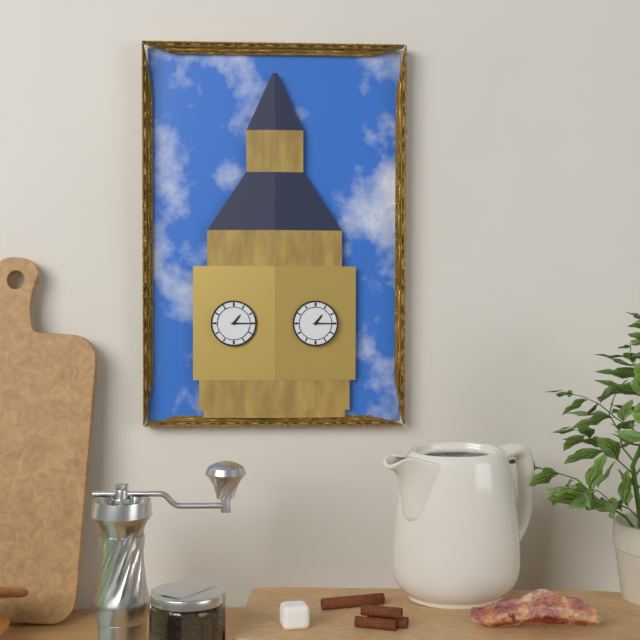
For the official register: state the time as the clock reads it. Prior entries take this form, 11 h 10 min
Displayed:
1 h 15 min
